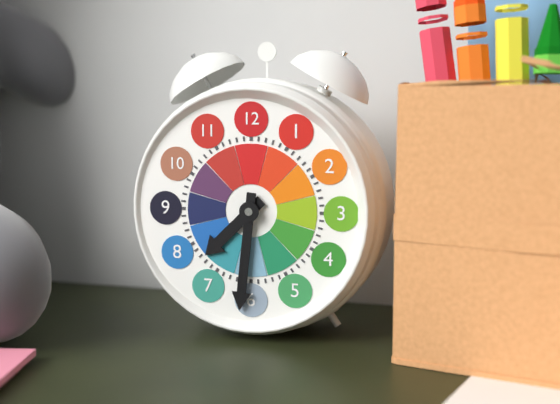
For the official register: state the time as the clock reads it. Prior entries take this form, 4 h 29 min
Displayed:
7 h 31 min
